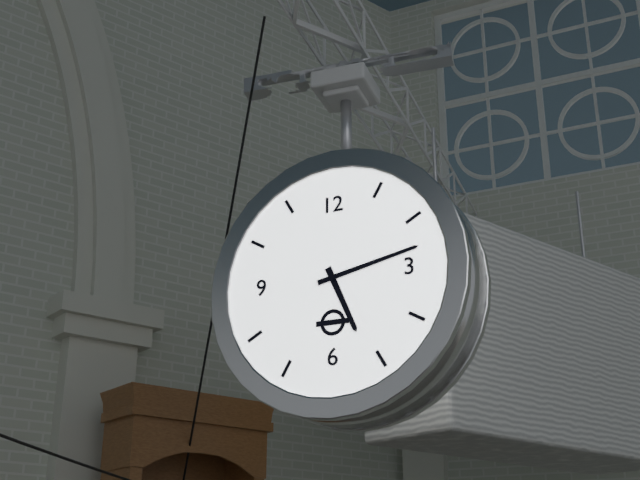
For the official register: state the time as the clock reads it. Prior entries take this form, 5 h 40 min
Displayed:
5 h 13 min
